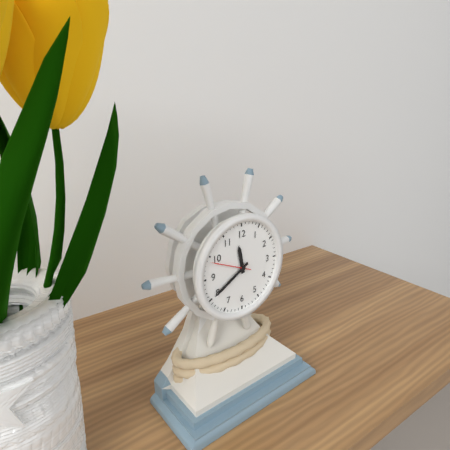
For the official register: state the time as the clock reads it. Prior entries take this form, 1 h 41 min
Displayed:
11 h 40 min
